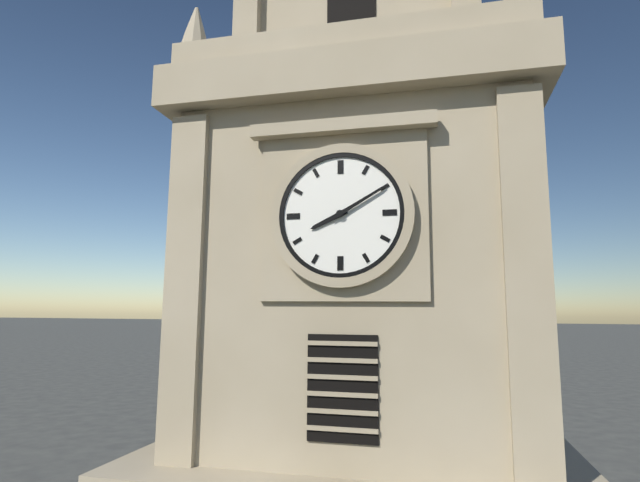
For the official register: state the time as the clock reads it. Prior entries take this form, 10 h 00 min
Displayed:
8 h 10 min
